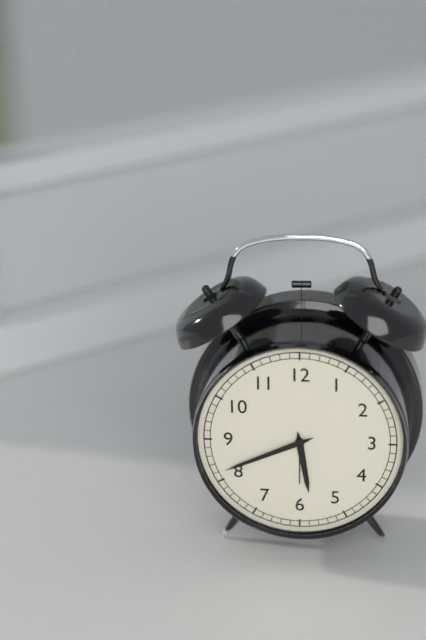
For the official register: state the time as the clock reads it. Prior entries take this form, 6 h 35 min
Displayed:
5 h 41 min
